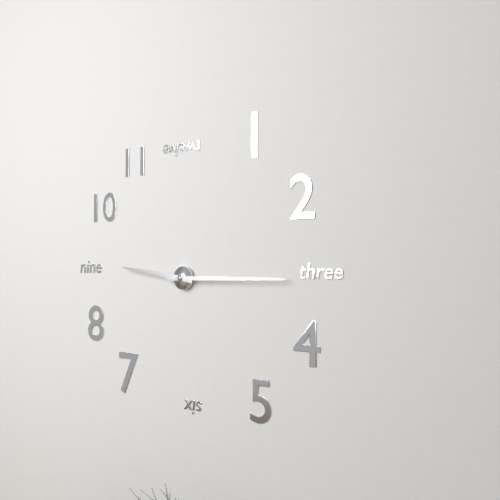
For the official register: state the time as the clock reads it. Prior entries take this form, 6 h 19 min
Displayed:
9 h 15 min
